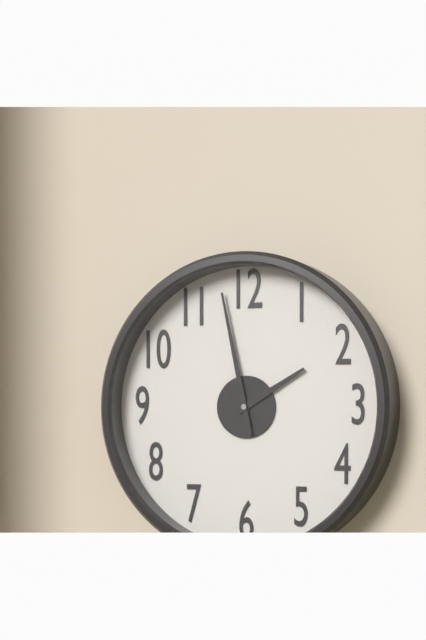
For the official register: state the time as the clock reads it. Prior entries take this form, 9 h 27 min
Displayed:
1 h 58 min
